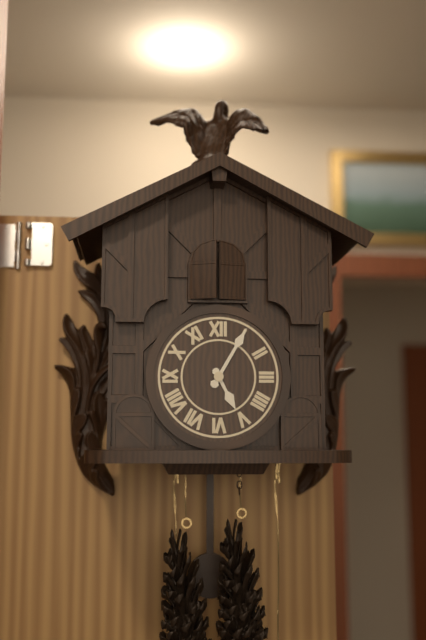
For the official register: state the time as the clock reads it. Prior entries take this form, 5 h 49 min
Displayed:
5 h 05 min
